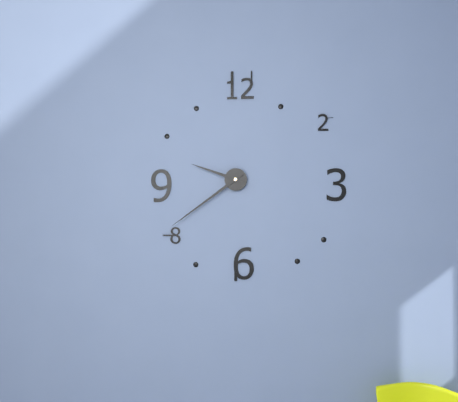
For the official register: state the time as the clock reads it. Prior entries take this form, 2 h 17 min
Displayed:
9 h 39 min
